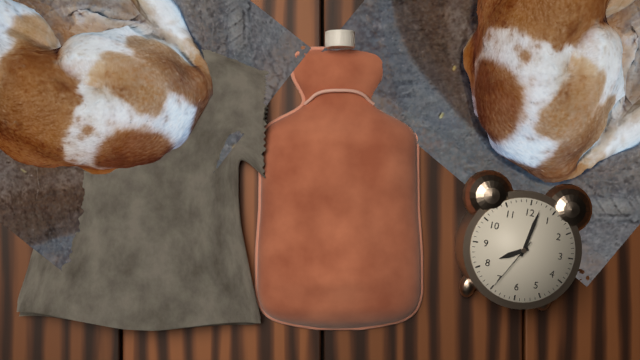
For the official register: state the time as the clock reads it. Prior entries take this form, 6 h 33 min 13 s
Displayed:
8 h 02 min 35 s
